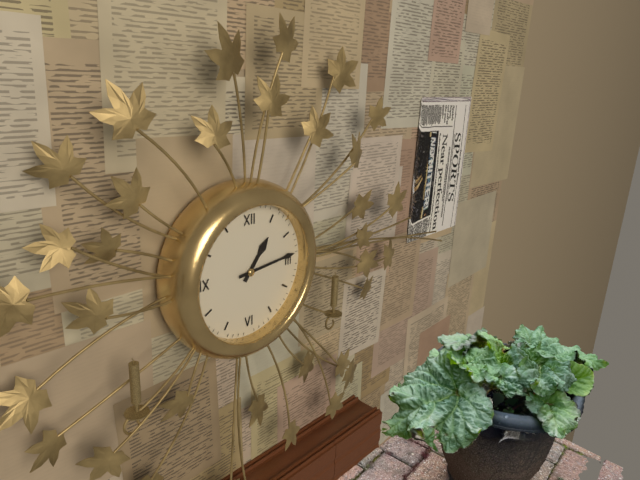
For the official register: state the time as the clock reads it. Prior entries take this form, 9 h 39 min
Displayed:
1 h 14 min
